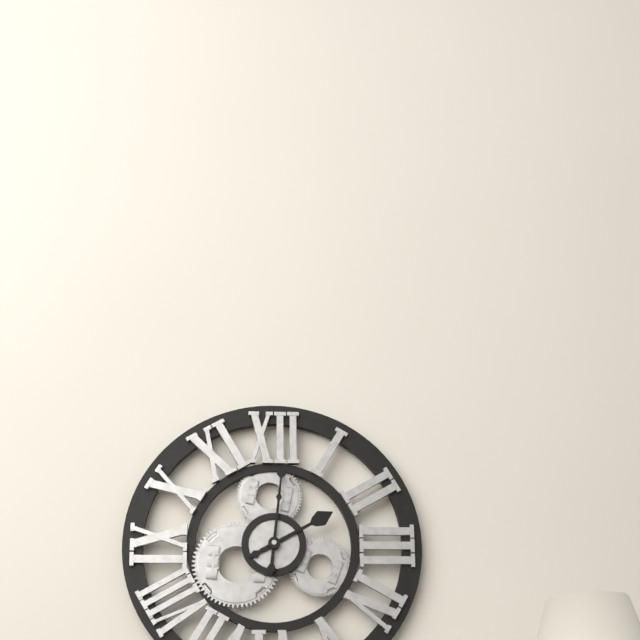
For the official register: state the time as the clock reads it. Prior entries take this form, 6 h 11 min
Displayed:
2 h 01 min
